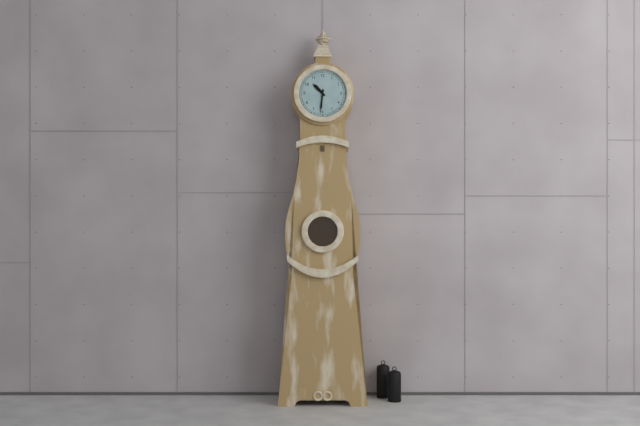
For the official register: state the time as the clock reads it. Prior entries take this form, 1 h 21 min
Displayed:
10 h 31 min
